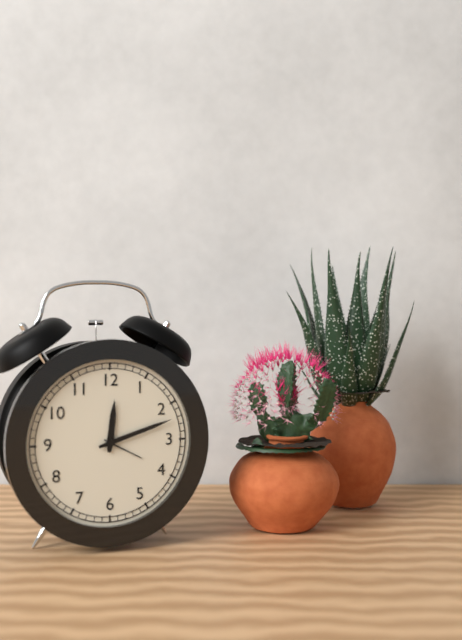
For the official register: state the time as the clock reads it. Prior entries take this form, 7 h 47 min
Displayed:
12 h 12 min
